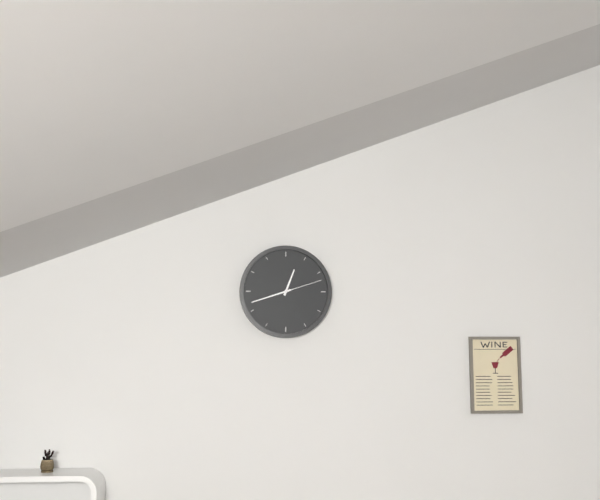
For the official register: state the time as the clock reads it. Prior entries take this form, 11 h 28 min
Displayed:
12 h 42 min
